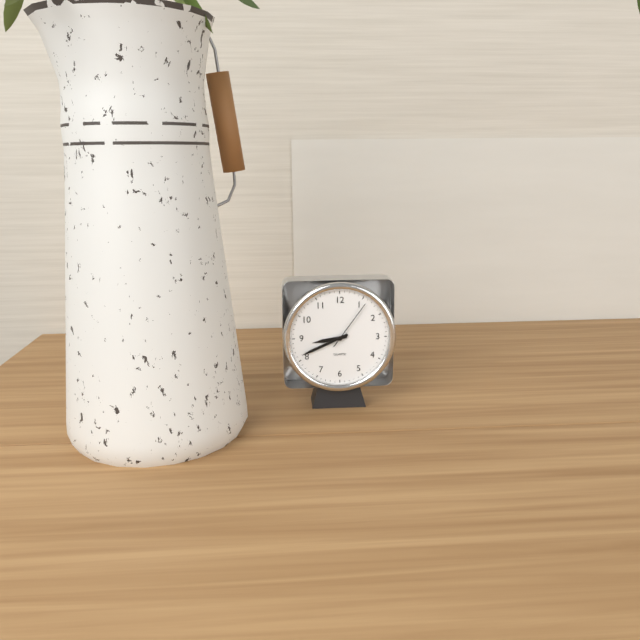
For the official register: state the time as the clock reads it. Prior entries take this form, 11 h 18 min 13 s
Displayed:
8 h 41 min 06 s
